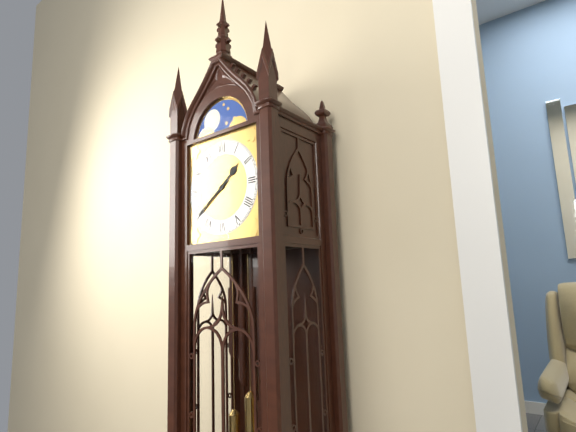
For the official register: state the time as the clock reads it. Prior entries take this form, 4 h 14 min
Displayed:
1 h 39 min
